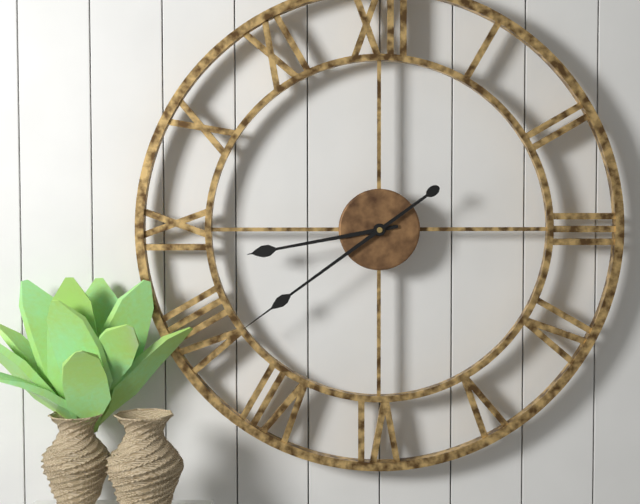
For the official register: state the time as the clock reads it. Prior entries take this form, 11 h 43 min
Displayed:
8 h 39 min
